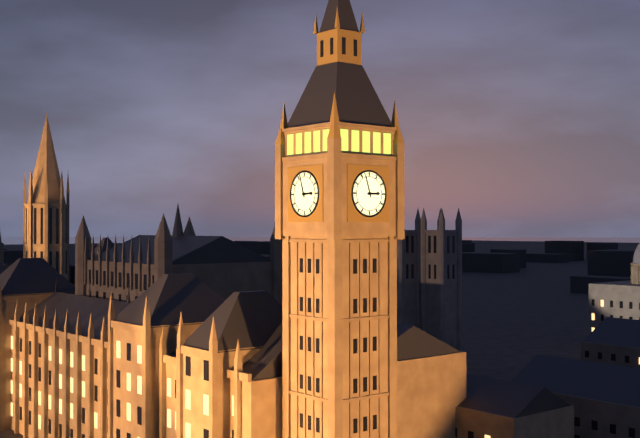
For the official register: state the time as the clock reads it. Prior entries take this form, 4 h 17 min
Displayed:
2 h 57 min
